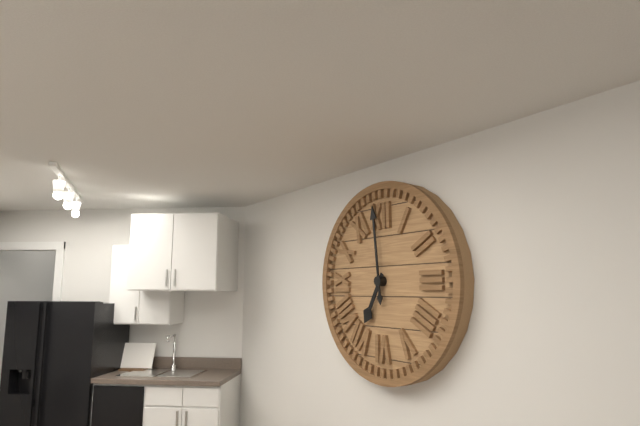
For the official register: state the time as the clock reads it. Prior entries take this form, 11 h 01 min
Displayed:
6 h 59 min
